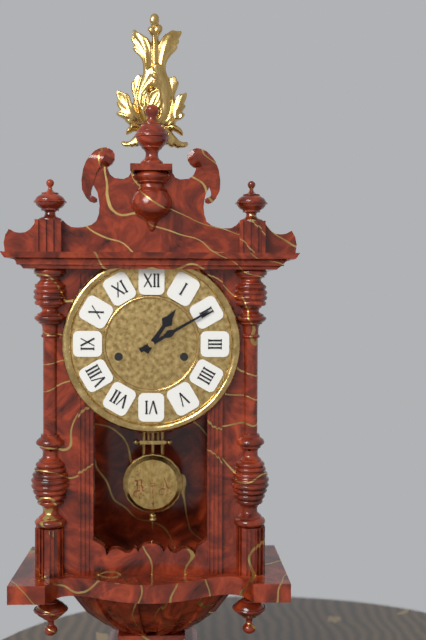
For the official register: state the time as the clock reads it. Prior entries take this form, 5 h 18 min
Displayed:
1 h 10 min
